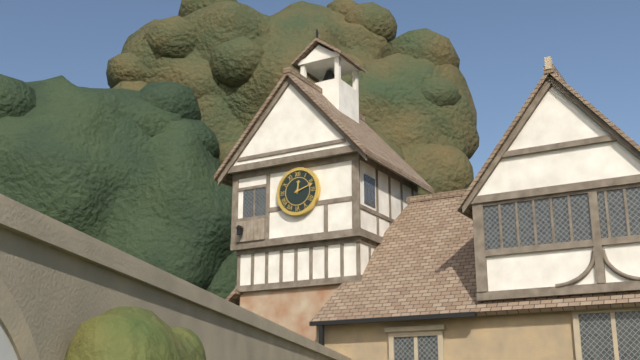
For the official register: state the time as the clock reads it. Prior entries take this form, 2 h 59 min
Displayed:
12 h 12 min
